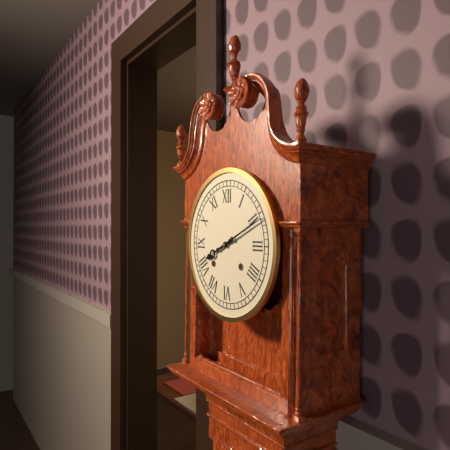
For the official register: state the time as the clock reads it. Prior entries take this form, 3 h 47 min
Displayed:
8 h 11 min
